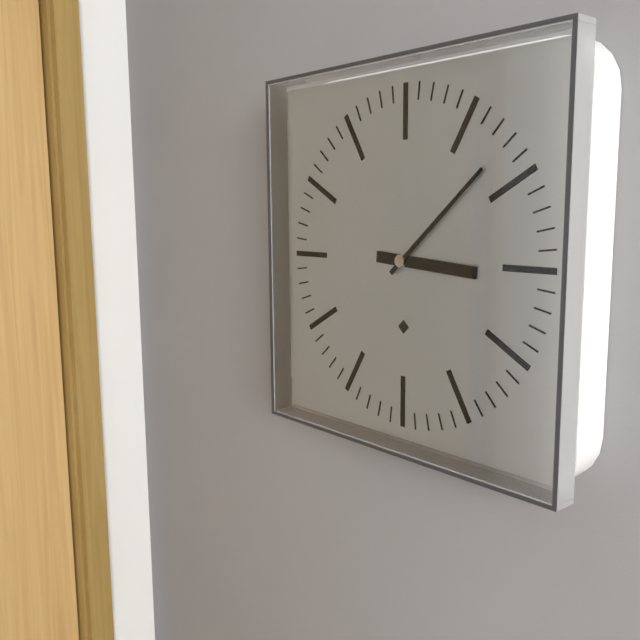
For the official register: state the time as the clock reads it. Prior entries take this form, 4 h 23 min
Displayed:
3 h 08 min
